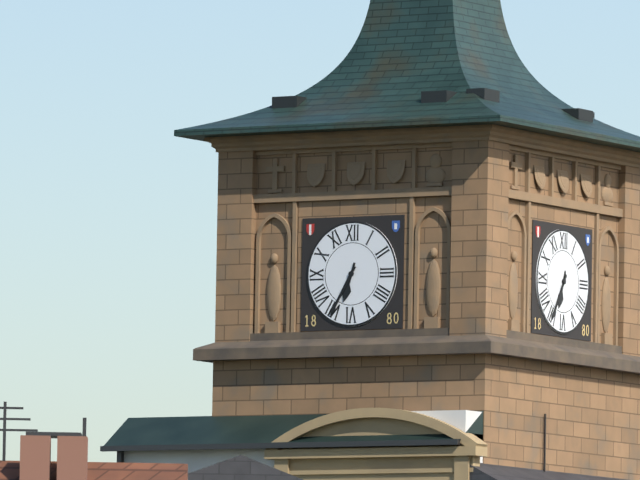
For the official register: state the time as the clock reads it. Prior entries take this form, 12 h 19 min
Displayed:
6 h 35 min
